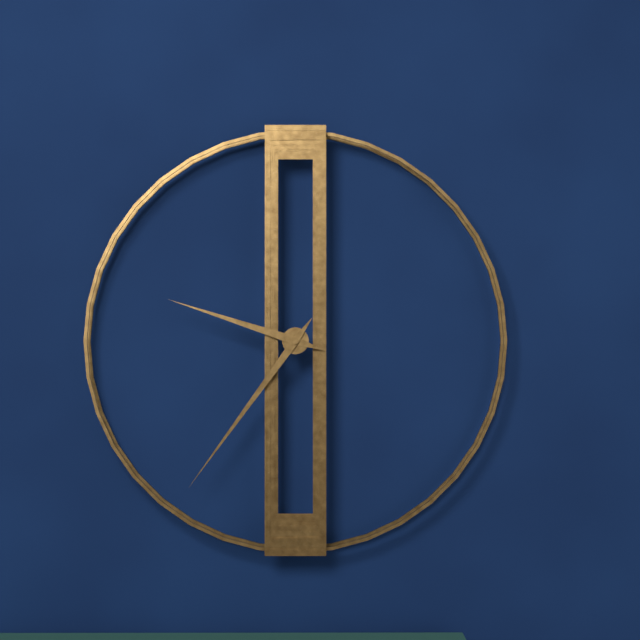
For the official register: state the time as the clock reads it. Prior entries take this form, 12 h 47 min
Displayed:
9 h 36 min
